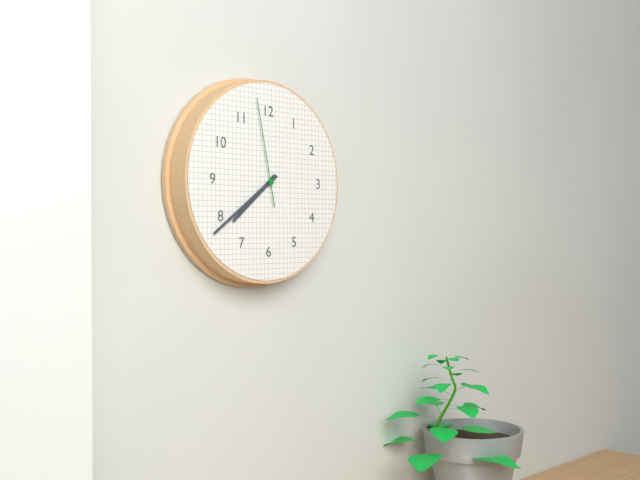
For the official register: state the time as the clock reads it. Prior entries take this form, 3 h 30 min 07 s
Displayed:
7 h 39 min 58 s
